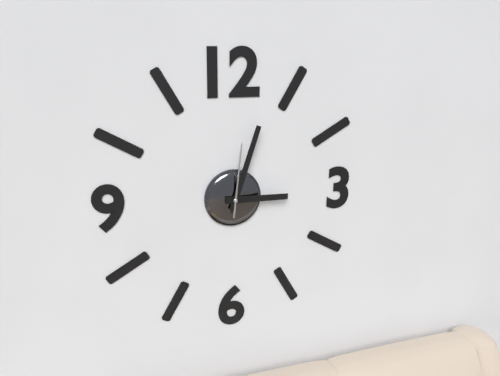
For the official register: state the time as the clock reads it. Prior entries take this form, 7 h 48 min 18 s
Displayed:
3 h 03 min 01 s
